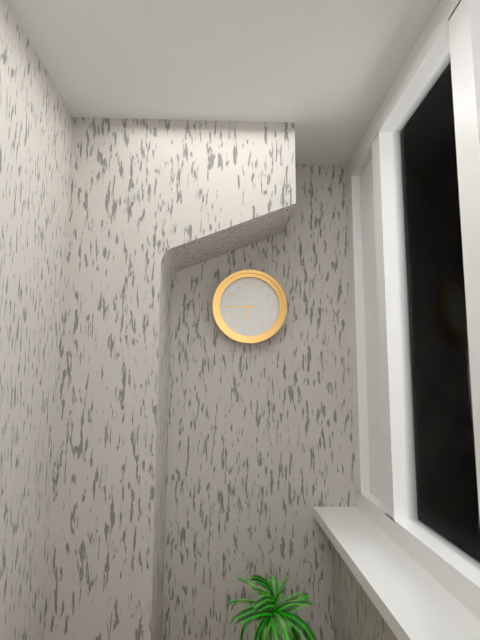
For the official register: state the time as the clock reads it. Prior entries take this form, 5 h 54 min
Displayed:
6 h 45 min
